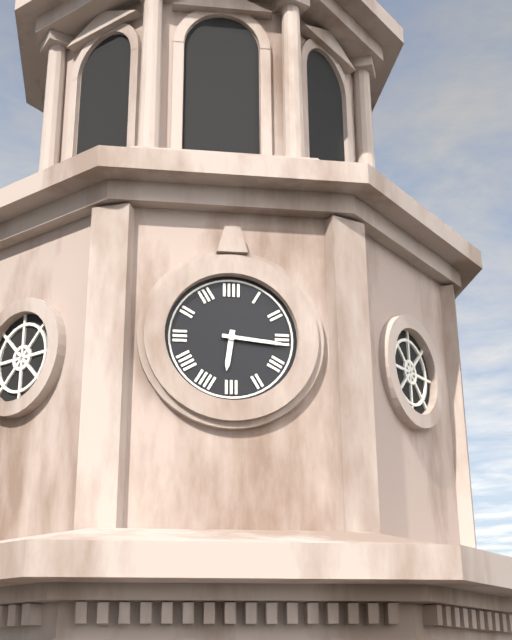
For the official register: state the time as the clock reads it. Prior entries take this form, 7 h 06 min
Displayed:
6 h 16 min
